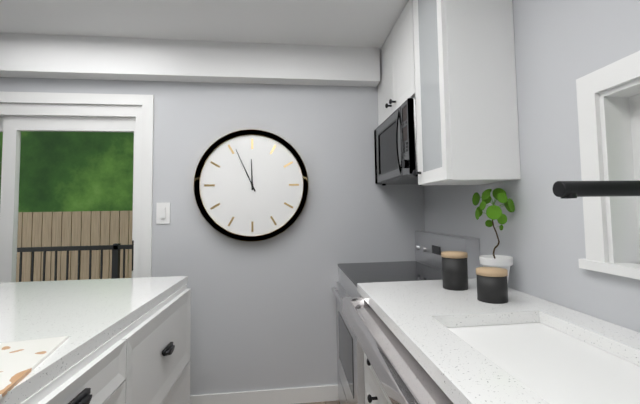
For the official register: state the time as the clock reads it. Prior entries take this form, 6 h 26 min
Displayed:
11 h 56 min
